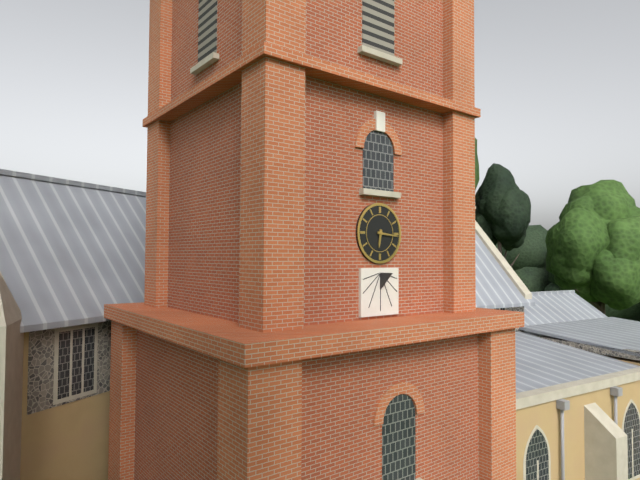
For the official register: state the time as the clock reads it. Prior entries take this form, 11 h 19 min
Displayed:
6 h 16 min
